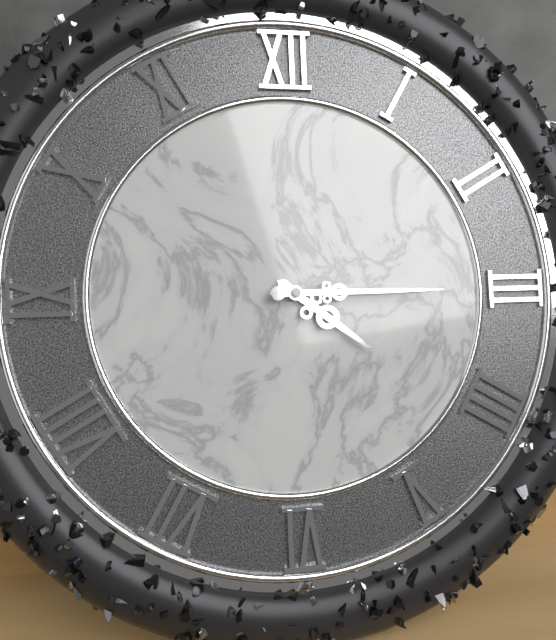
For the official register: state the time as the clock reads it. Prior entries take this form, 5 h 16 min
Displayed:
4 h 15 min
